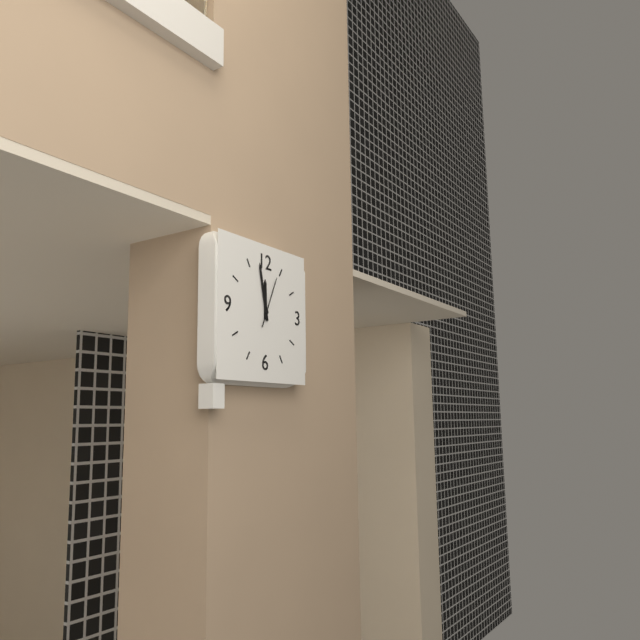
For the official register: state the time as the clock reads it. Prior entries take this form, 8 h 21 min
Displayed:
11 h 58 min
